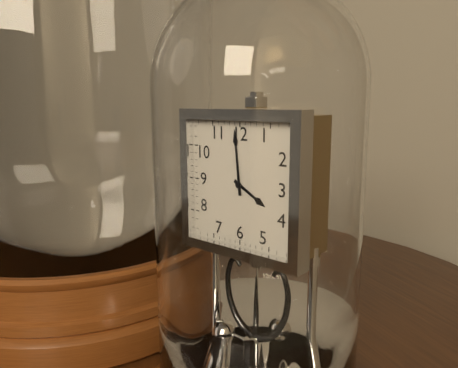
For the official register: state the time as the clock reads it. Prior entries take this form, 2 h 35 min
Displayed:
3 h 59 min
